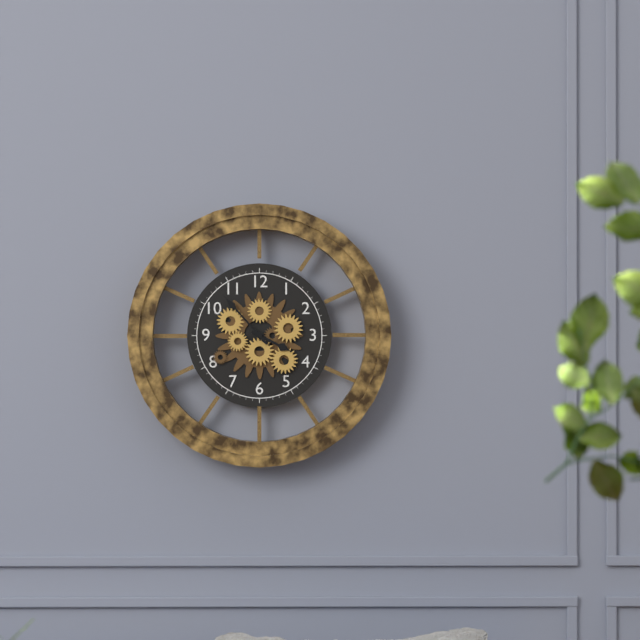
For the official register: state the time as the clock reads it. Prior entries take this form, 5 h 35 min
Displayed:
3 h 53 min
